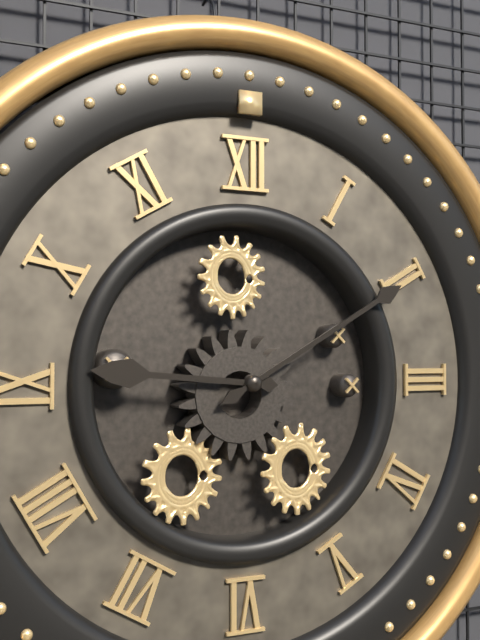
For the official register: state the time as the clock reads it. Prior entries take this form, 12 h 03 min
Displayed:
9 h 10 min
